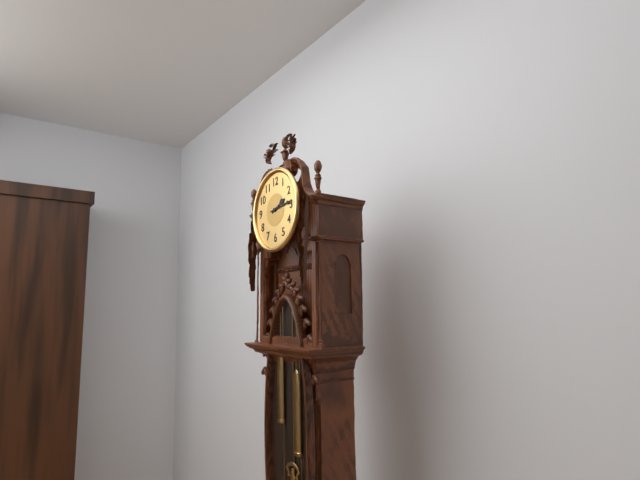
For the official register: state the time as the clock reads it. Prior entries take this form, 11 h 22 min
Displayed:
2 h 14 min
